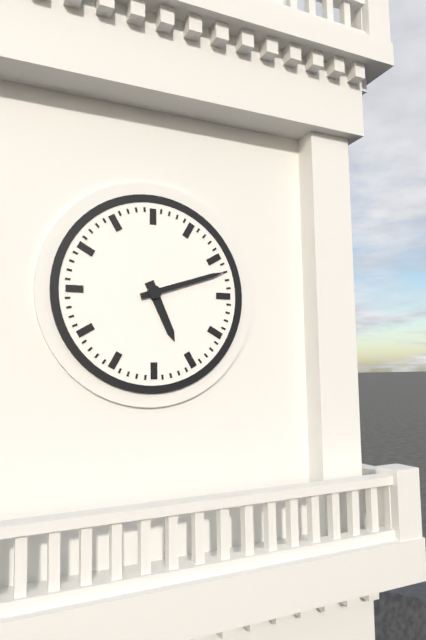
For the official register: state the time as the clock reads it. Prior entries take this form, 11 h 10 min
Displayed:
5 h 12 min
